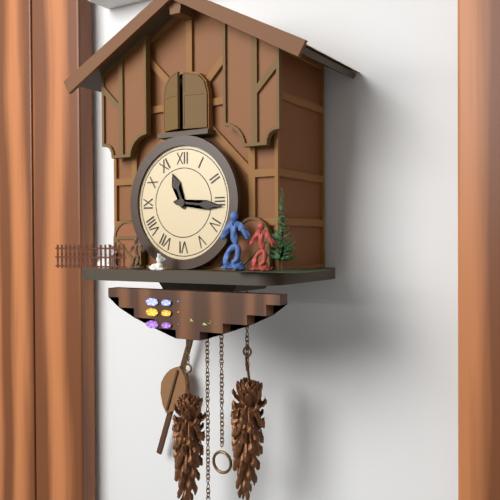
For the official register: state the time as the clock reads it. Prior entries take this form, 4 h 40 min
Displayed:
11 h 16 min
